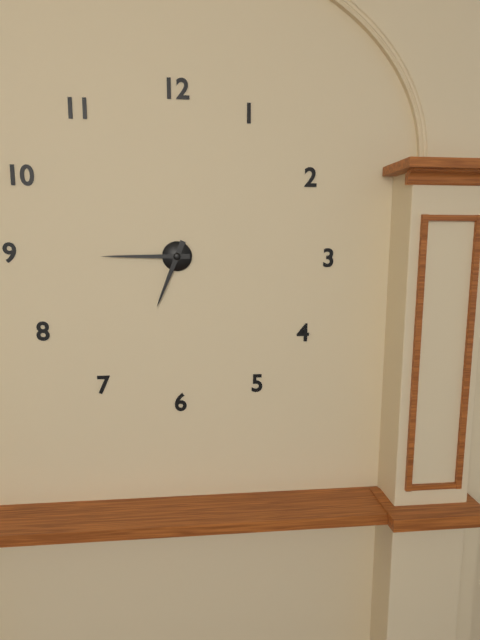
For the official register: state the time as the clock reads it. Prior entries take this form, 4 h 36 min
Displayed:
6 h 45 min
